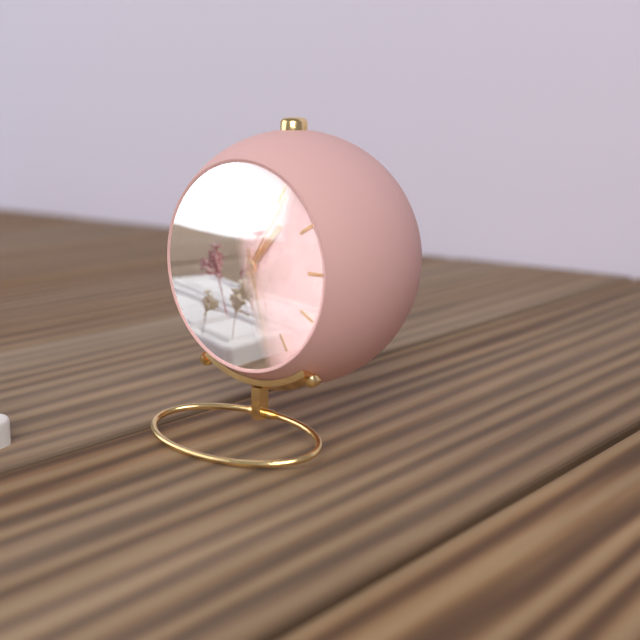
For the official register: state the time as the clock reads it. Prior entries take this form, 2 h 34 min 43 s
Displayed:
1 h 28 min 06 s
